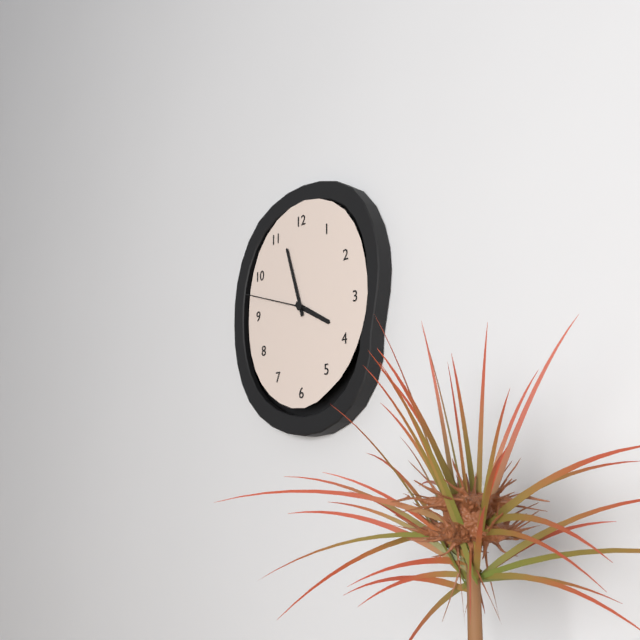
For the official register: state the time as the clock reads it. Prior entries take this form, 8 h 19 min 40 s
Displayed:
3 h 57 min 48 s
